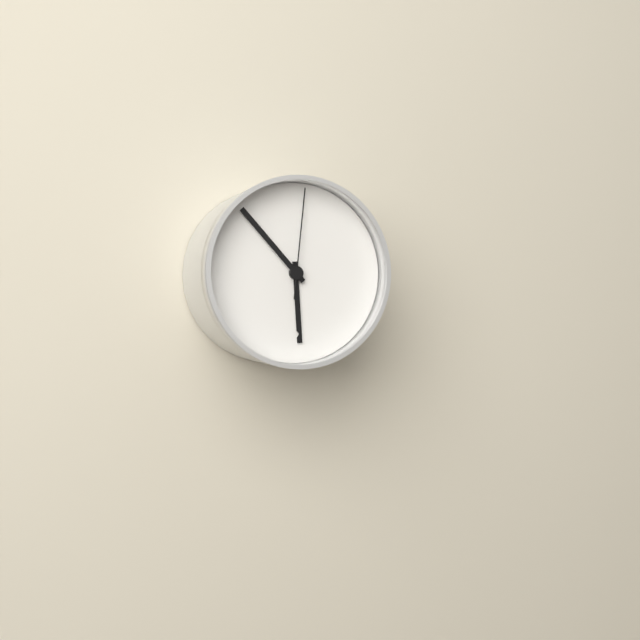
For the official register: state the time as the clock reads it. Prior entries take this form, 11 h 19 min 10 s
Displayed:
5 h 53 min 01 s
